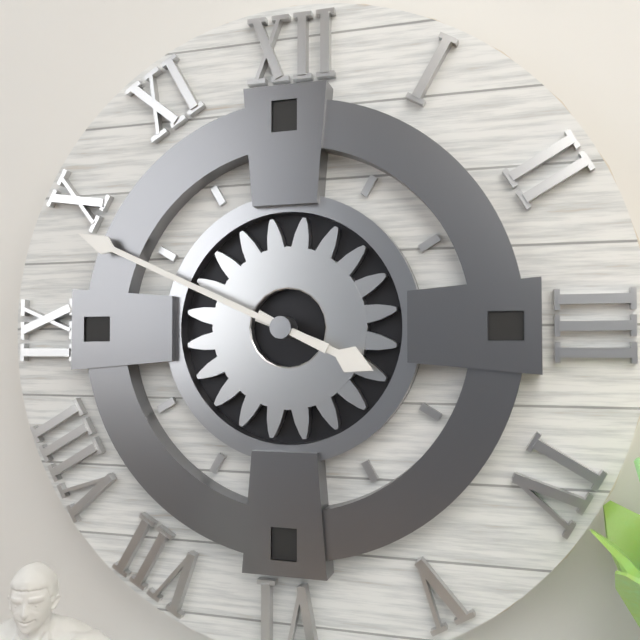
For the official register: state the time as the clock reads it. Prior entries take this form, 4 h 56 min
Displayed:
3 h 49 min
